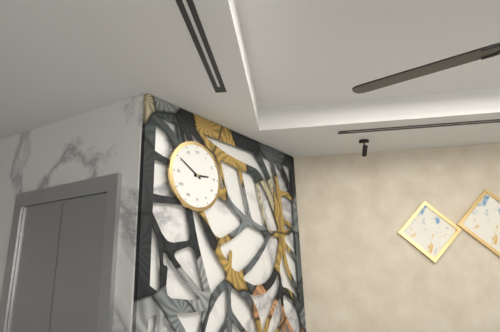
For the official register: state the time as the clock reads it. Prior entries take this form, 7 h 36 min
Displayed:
2 h 50 min
